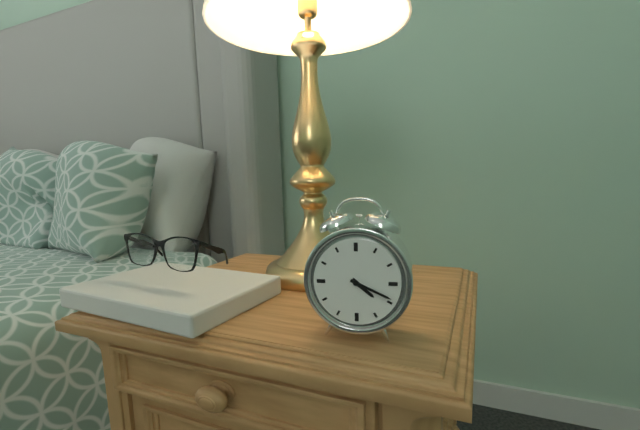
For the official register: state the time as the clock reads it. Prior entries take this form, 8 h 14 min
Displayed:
4 h 19 min
